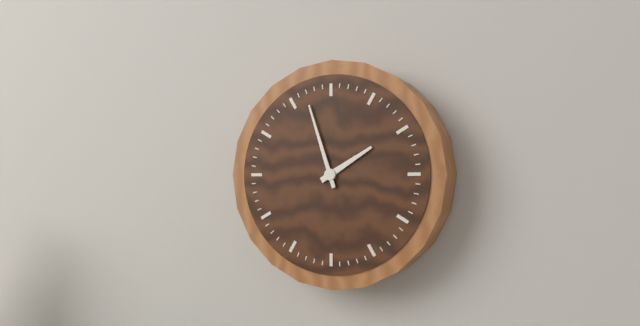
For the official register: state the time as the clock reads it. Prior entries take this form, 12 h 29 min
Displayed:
1 h 57 min
